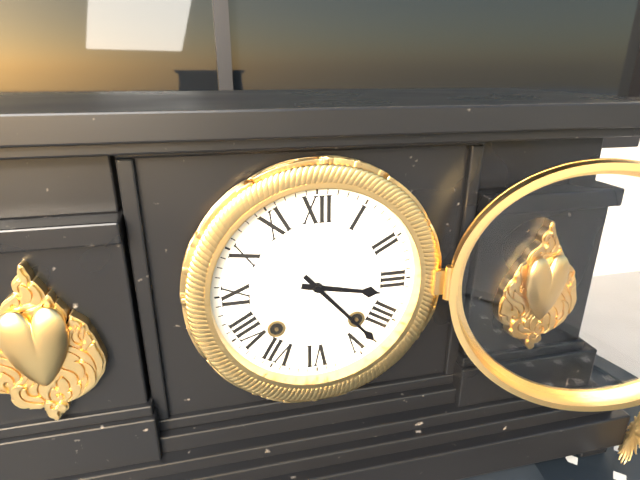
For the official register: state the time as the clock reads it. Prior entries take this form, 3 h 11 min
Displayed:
3 h 23 min
